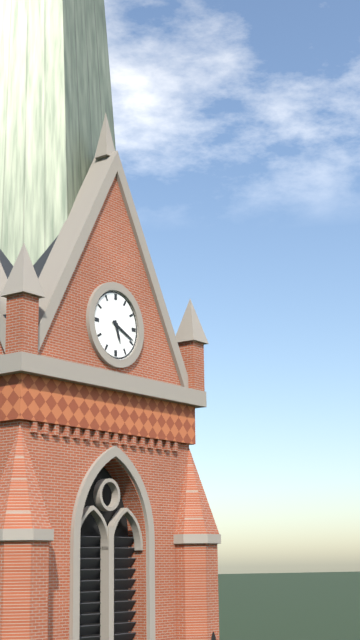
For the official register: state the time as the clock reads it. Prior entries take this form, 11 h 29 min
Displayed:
5 h 19 min
